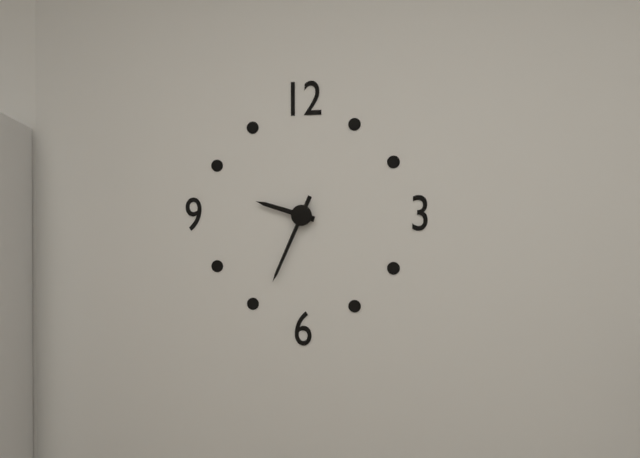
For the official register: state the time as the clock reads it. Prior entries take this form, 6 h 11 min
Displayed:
9 h 34 min
